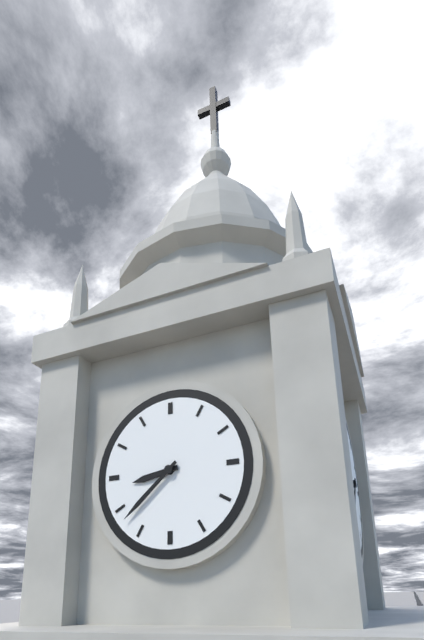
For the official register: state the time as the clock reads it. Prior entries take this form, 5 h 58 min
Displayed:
8 h 38 min
